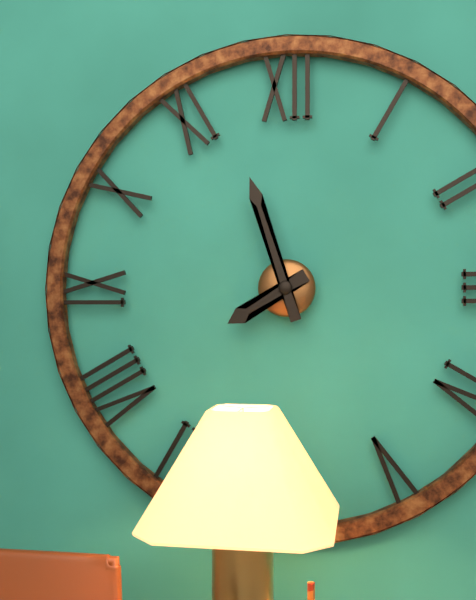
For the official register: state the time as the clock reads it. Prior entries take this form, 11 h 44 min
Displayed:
7 h 57 min
